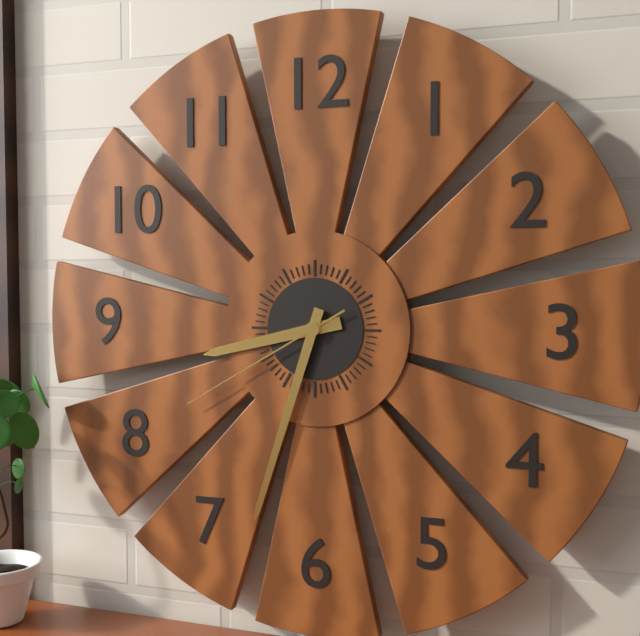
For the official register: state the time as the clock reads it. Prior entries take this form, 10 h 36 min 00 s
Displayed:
8 h 33 min 40 s
